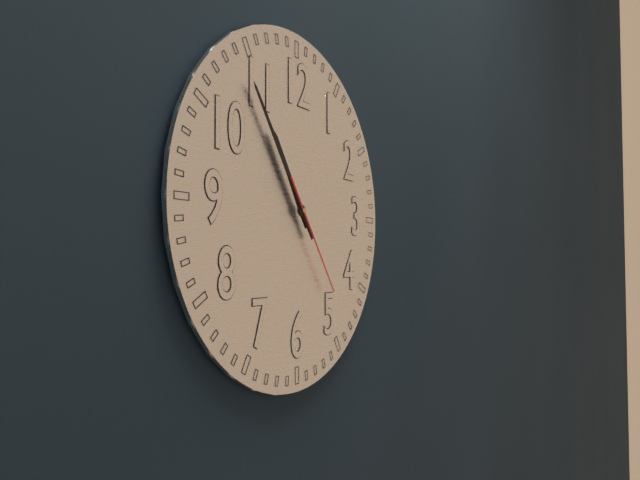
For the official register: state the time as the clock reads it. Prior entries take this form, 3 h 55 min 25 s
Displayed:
10 h 54 min 24 s
